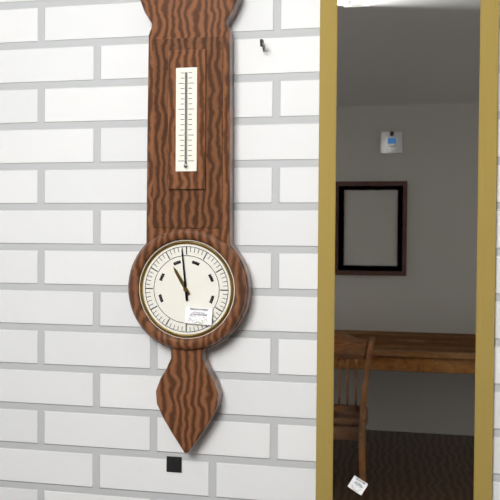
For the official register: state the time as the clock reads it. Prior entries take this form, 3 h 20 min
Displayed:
10 h 59 min
